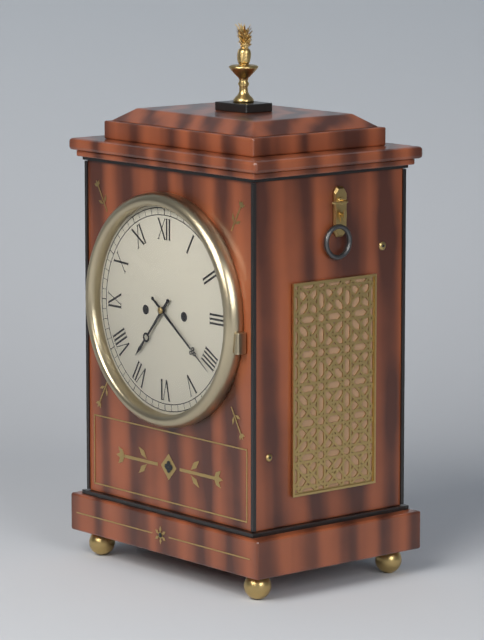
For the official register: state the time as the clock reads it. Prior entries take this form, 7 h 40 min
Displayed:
7 h 21 min
